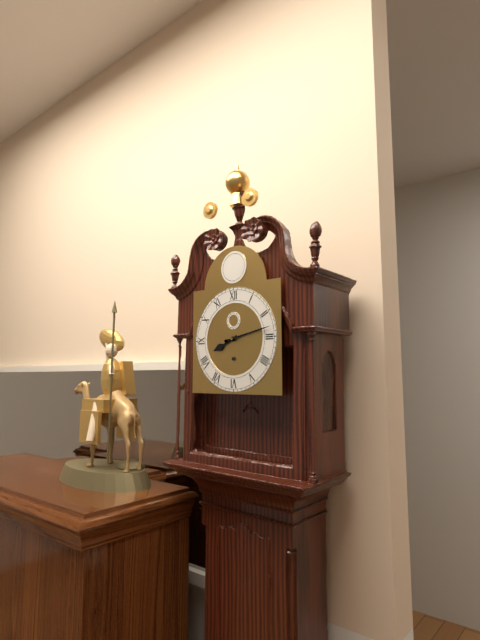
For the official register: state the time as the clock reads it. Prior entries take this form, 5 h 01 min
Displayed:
8 h 13 min
